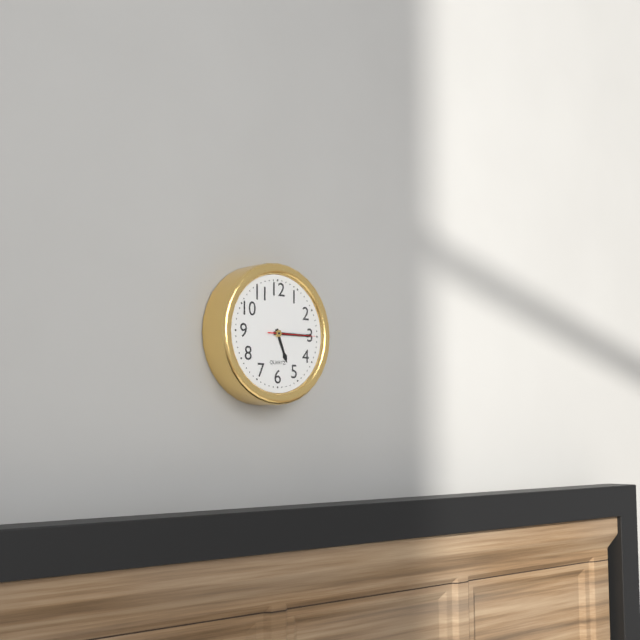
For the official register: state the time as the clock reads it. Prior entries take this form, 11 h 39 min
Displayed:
5 h 15 min
